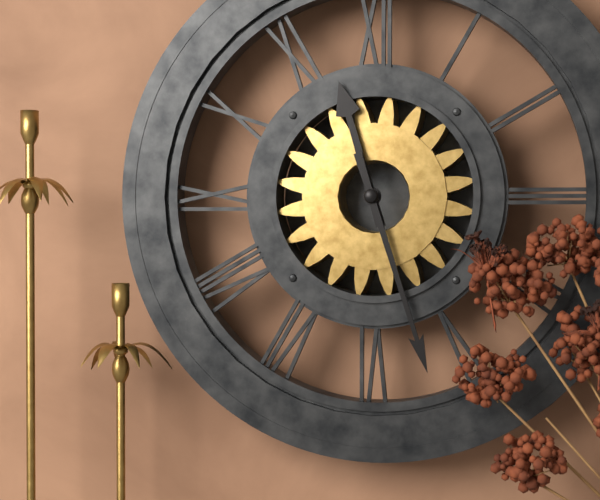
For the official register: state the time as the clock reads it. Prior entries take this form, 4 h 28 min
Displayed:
11 h 27 min
